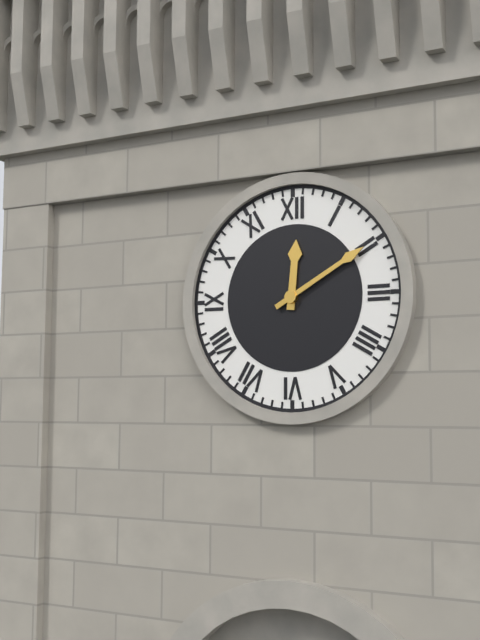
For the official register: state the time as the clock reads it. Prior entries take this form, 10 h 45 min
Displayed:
12 h 10 min
